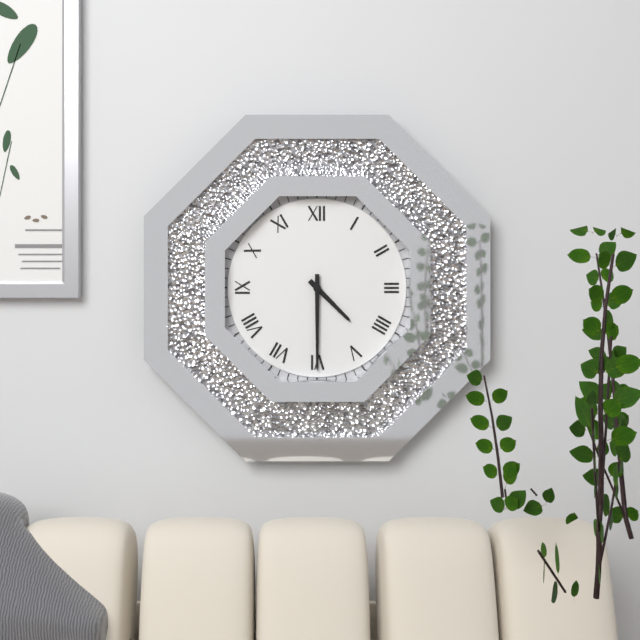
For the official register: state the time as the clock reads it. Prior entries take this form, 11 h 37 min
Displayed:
4 h 30 min
